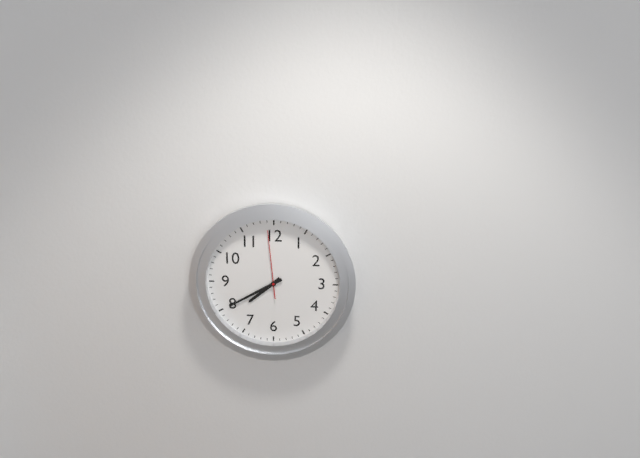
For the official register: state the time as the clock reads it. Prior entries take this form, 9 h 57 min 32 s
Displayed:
7 h 40 min 59 s
